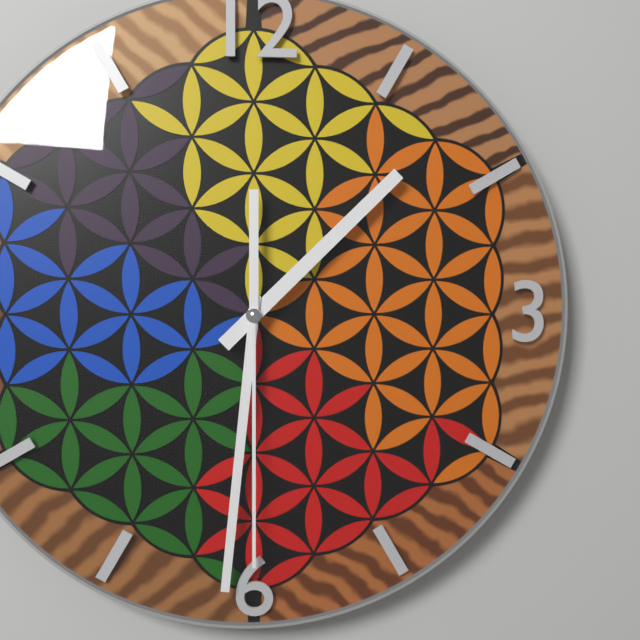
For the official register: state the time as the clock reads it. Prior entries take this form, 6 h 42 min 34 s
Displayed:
1 h 31 min 30 s
